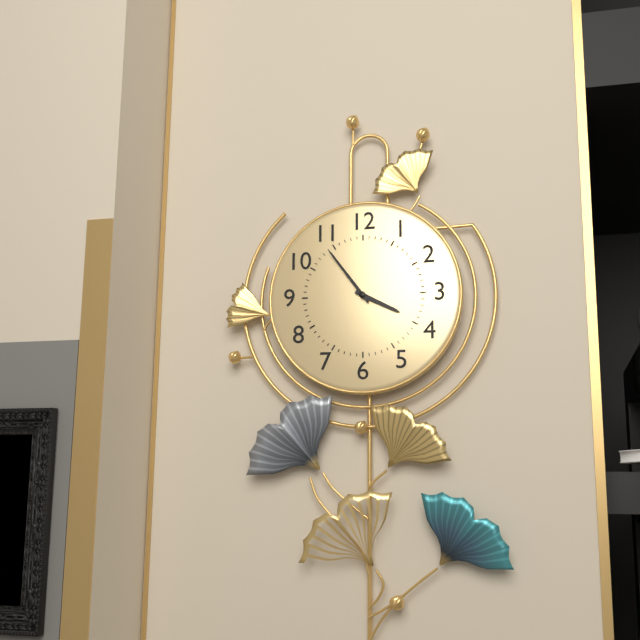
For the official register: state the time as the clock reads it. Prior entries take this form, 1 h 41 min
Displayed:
3 h 54 min
